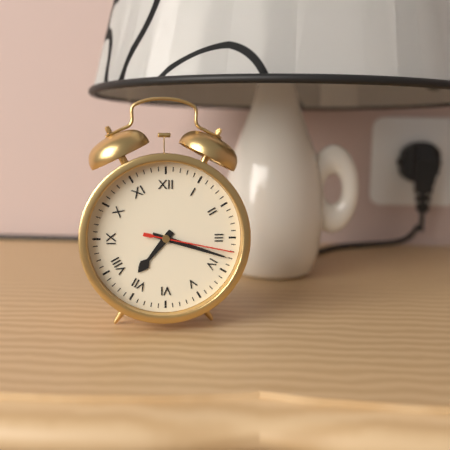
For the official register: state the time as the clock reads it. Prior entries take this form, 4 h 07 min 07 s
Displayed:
7 h 18 min 17 s
